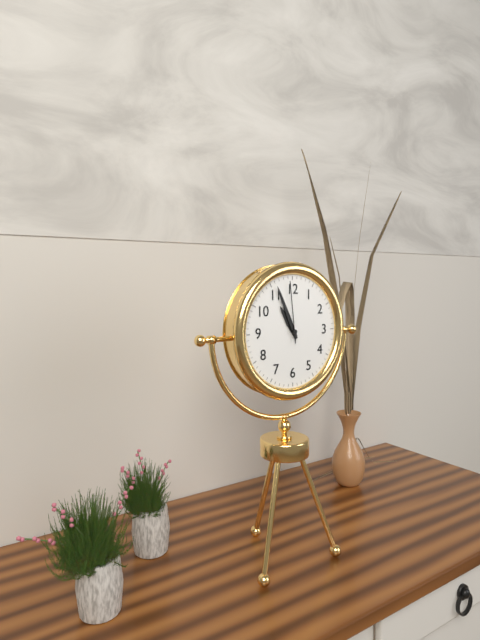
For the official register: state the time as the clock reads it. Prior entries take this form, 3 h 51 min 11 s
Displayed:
10 h 56 min 59 s
